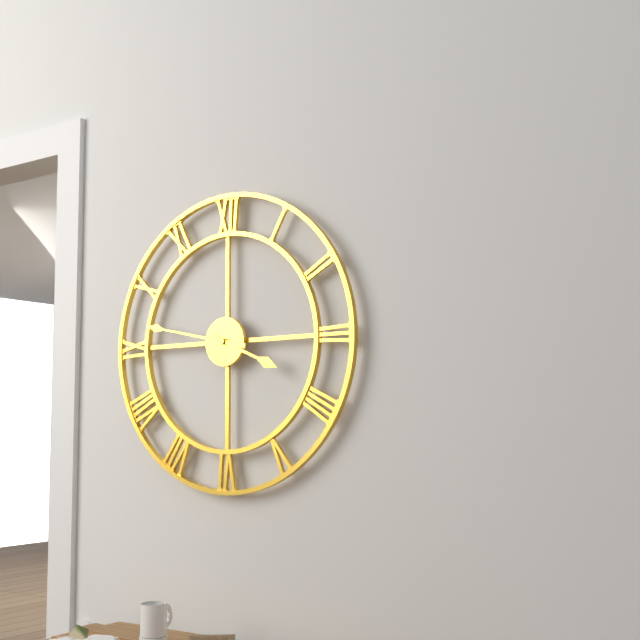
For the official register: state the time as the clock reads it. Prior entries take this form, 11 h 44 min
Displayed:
3 h 47 min
